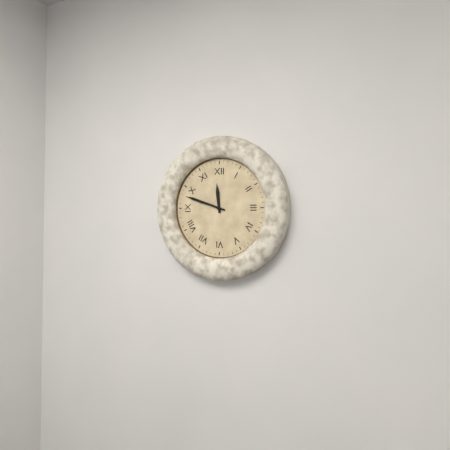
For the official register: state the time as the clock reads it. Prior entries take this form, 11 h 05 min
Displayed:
11 h 48 min
